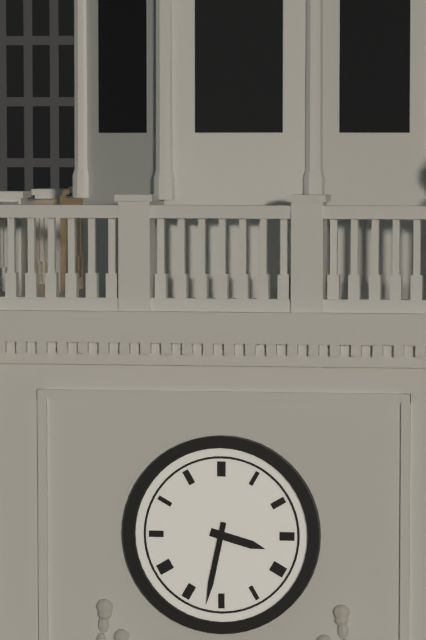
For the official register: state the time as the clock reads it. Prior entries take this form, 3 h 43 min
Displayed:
3 h 32 min
